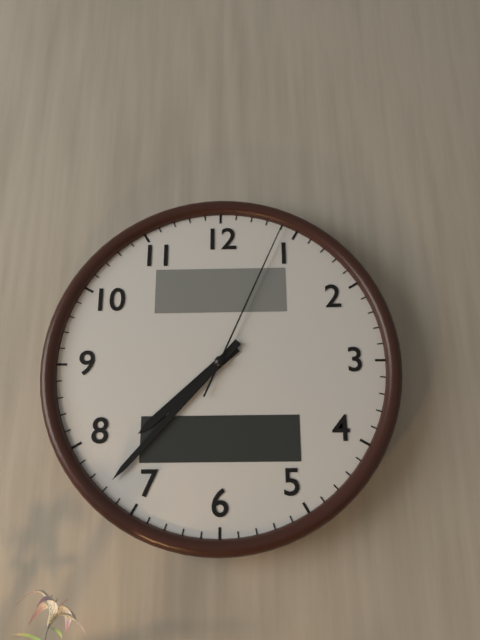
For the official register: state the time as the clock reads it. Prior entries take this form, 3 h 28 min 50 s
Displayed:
7 h 37 min 04 s
